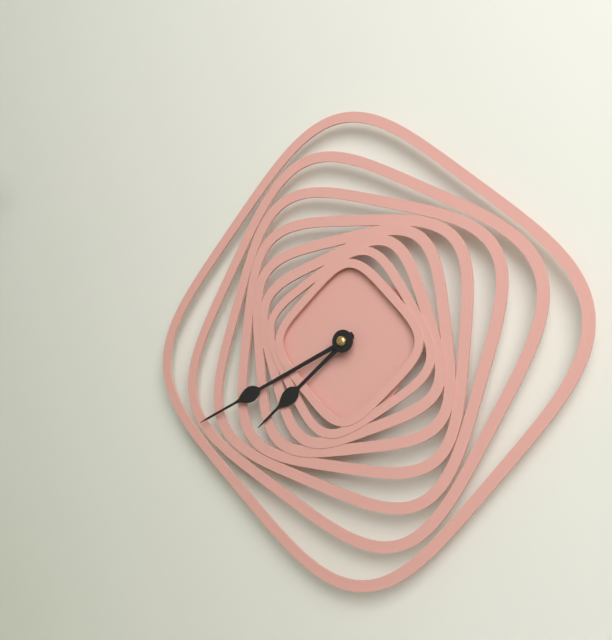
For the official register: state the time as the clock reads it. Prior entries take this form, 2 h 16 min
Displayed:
7 h 41 min
